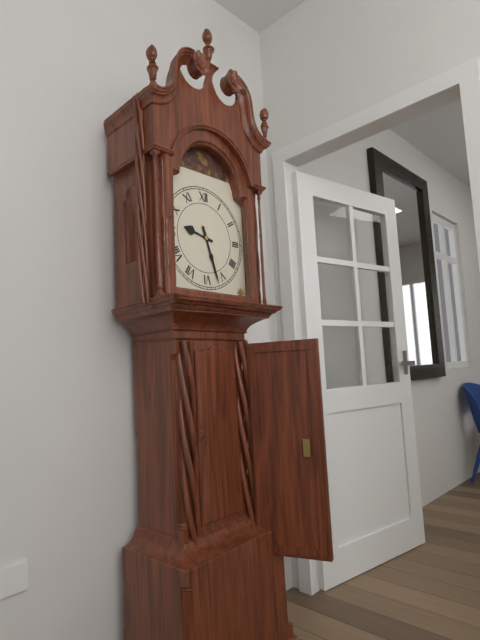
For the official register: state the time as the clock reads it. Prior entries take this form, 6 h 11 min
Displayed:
9 h 27 min
